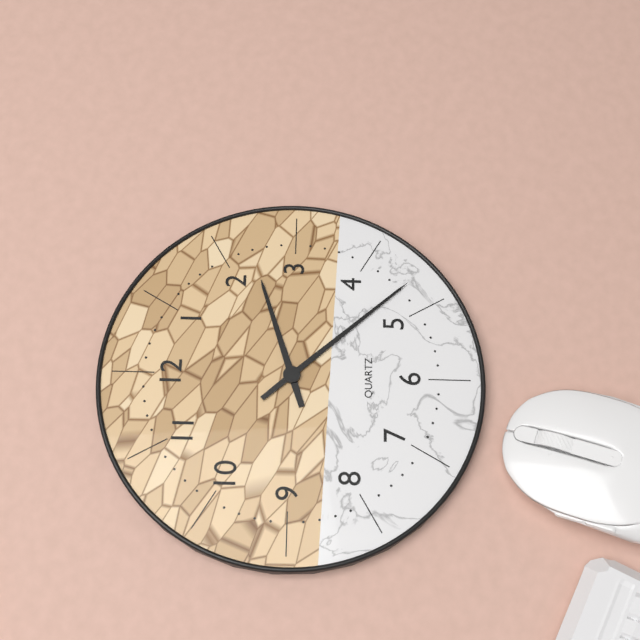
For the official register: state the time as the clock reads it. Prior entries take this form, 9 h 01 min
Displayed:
2 h 23 min
